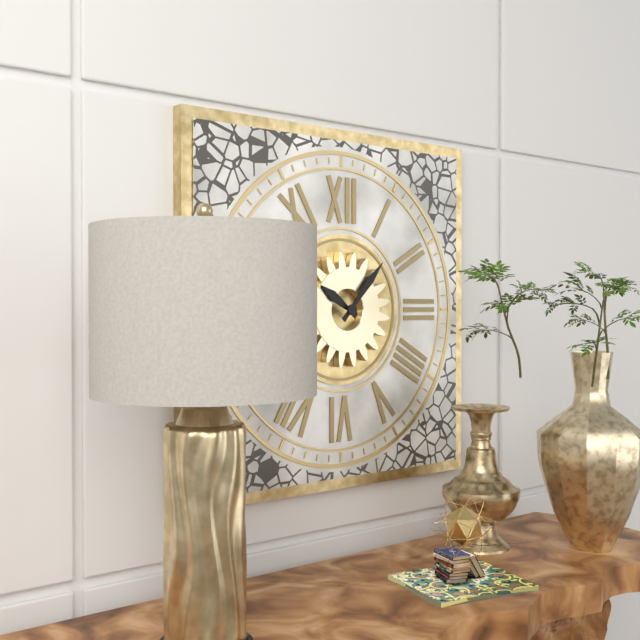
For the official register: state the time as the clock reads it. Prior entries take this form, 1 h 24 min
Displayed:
10 h 07 min
